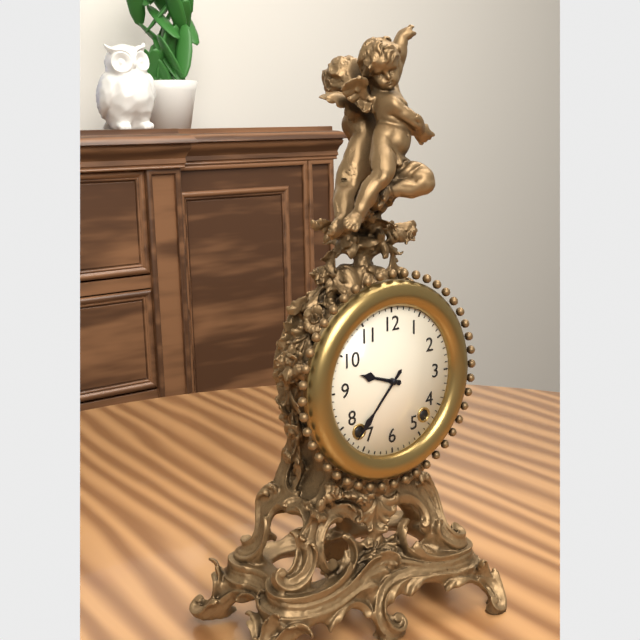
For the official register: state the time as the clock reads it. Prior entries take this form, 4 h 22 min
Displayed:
9 h 37 min
